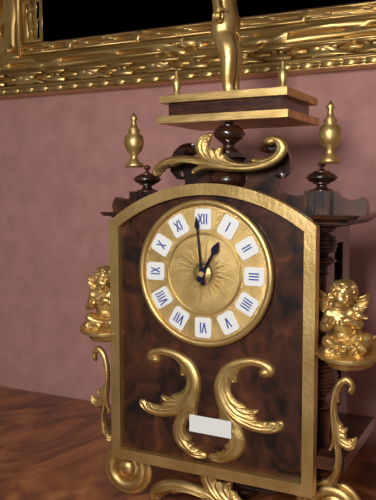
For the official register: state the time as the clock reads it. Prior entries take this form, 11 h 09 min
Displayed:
12 h 59 min
